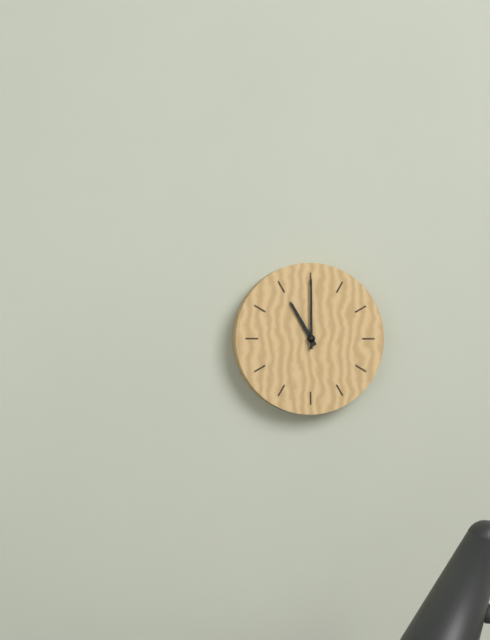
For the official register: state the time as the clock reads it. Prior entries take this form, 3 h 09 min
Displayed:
11 h 00 min
